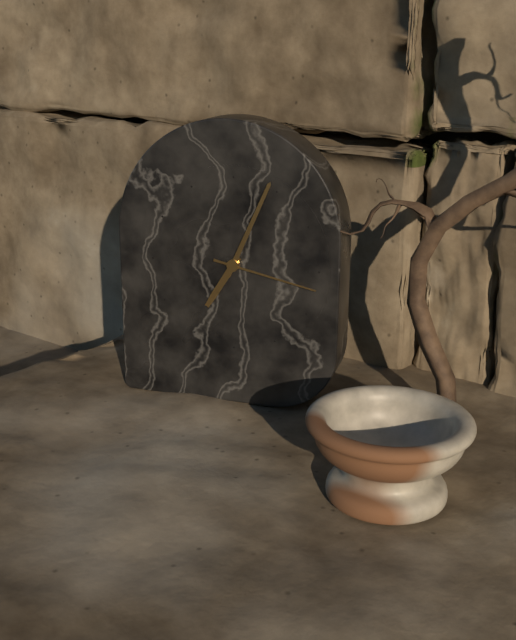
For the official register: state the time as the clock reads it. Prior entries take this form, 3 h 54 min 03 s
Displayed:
7 h 04 min 17 s
